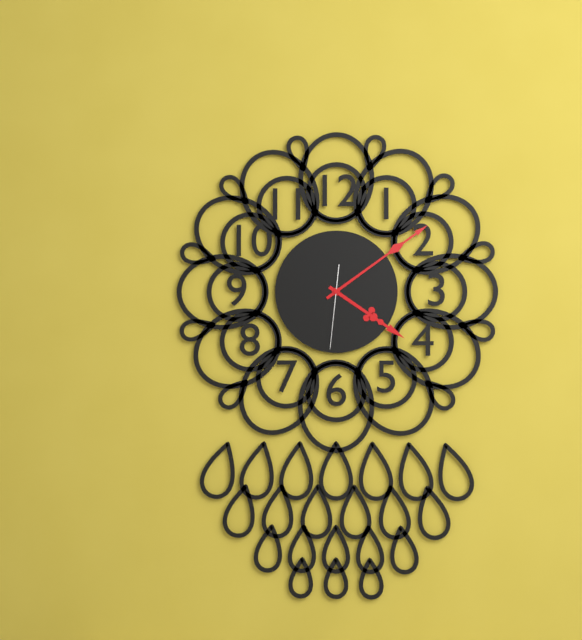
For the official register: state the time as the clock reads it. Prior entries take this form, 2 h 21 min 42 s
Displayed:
4 h 09 min 31 s
